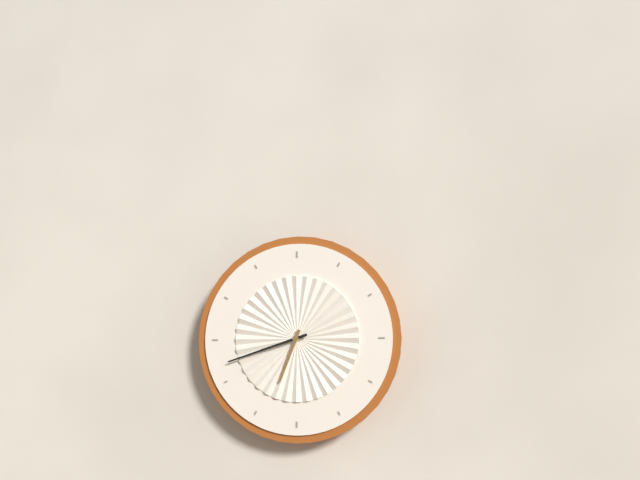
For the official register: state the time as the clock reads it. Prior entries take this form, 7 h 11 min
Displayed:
6 h 42 min
